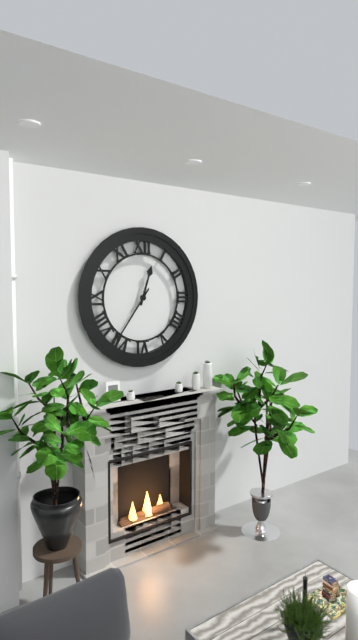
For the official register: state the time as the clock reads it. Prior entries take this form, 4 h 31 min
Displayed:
12 h 36 min
